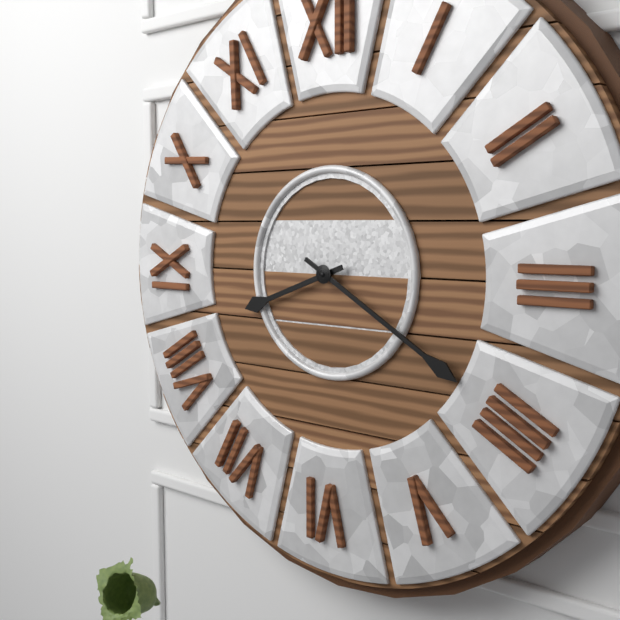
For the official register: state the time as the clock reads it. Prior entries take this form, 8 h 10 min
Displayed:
8 h 20 min
